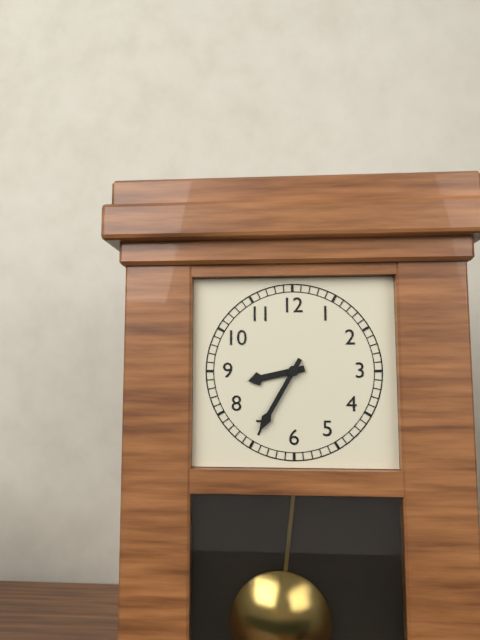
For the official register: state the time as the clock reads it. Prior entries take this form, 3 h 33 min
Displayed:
8 h 35 min
